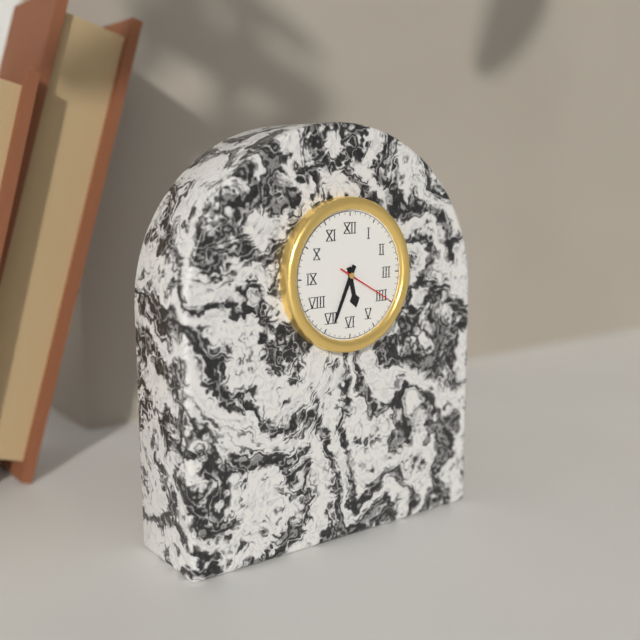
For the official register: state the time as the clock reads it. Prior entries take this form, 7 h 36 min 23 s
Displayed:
5 h 34 min 20 s
